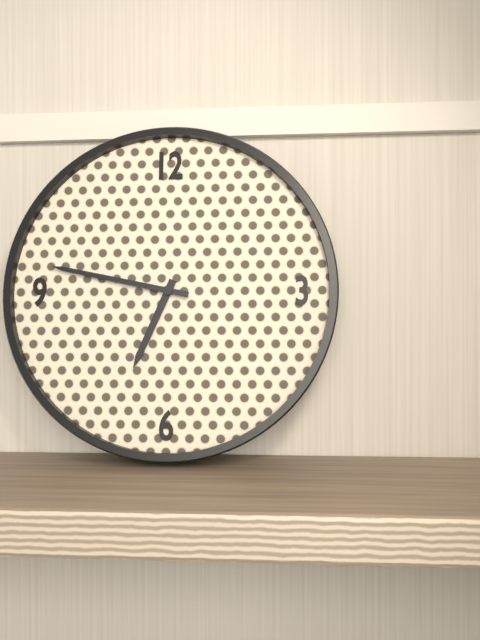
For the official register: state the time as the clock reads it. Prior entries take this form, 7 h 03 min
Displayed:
6 h 47 min
